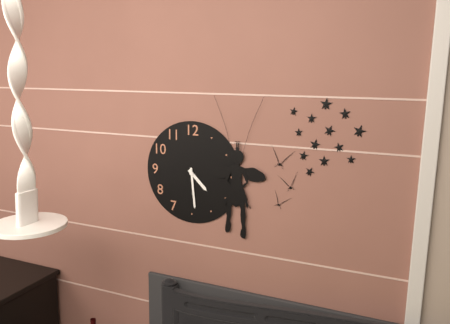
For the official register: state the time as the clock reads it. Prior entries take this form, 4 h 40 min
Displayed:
4 h 29 min
